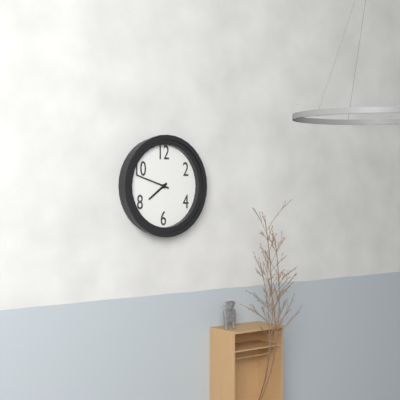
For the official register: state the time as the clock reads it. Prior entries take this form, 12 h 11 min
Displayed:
7 h 48 min
